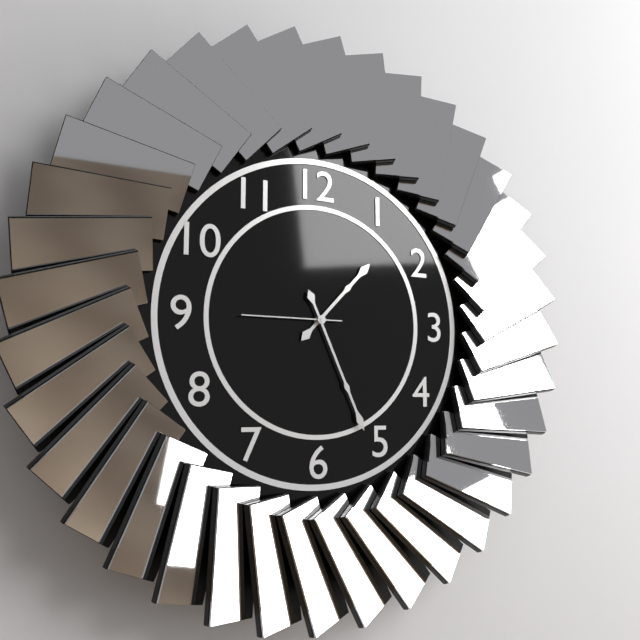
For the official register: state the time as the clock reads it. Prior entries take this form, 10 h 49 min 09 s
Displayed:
1 h 26 min 45 s
